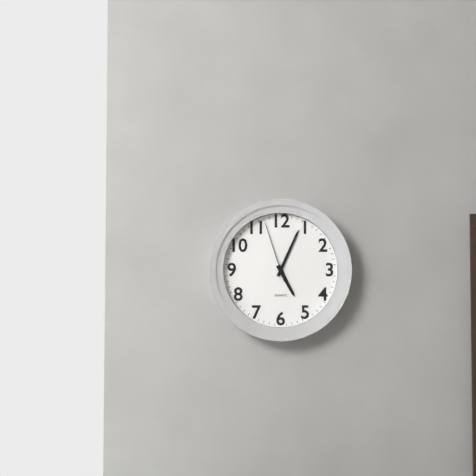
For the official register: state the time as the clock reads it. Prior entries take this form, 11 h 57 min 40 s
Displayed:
5 h 04 min 57 s
